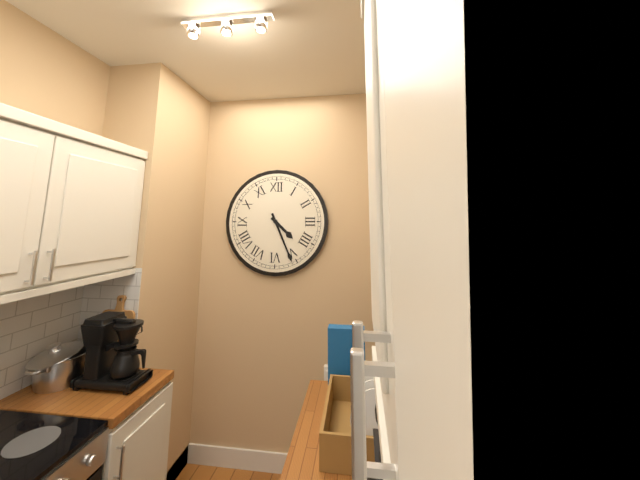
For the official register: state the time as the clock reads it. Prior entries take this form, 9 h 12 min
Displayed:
4 h 26 min
